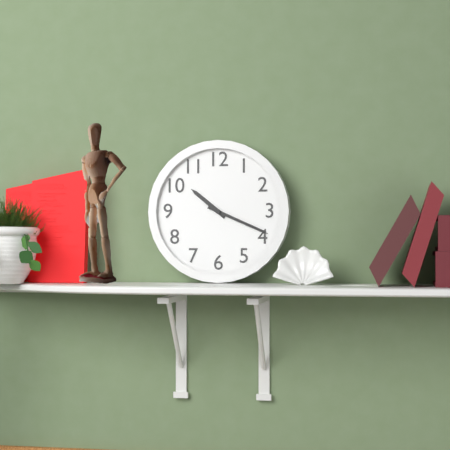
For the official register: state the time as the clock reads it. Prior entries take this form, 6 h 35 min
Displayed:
10 h 19 min
